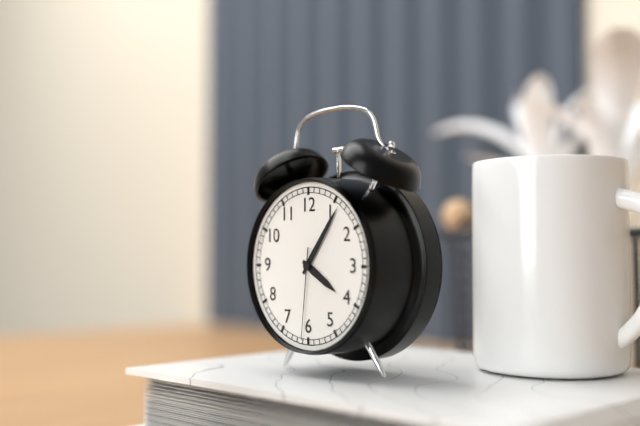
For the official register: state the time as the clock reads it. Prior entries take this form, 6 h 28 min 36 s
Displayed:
4 h 06 min 31 s
